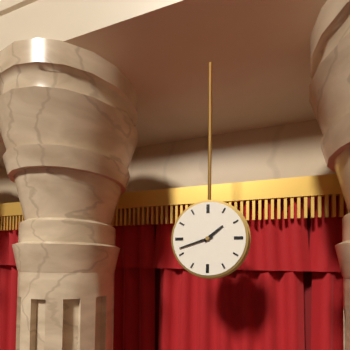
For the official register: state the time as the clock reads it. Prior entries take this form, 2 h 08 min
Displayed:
1 h 42 min
